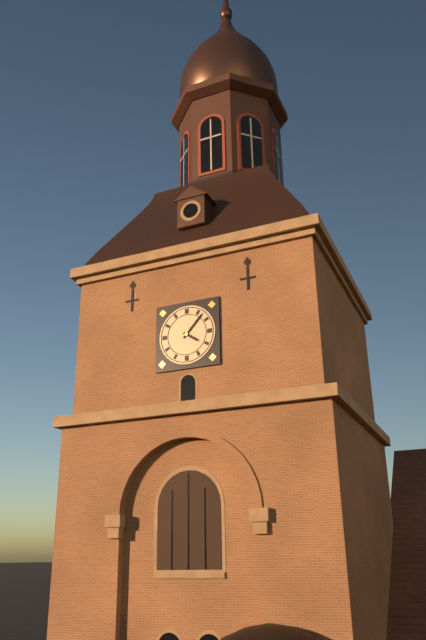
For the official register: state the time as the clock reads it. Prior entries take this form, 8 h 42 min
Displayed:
4 h 07 min
